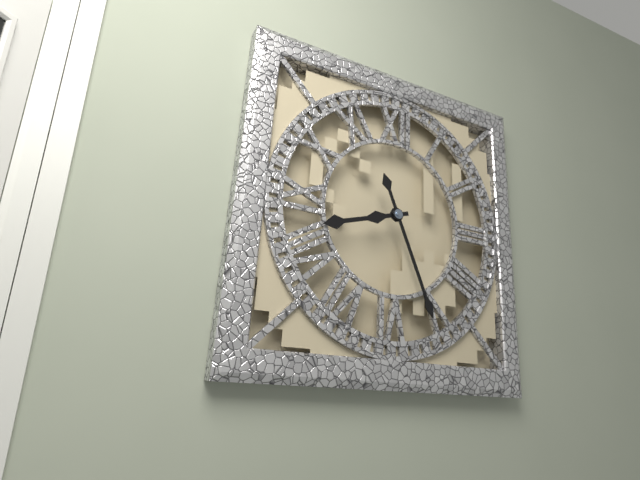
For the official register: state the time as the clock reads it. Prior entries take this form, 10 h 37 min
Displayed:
8 h 26 min
